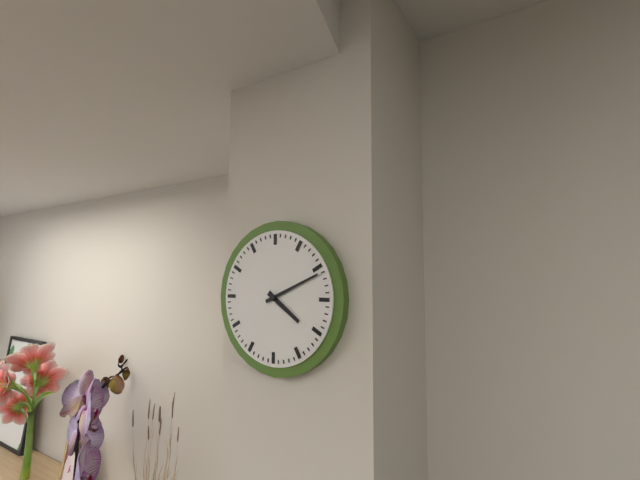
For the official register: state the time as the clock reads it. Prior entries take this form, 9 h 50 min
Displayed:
4 h 11 min
